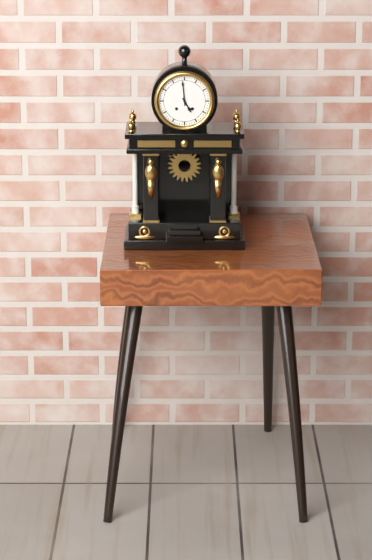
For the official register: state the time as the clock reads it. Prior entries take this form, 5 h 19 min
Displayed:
4 h 59 min
